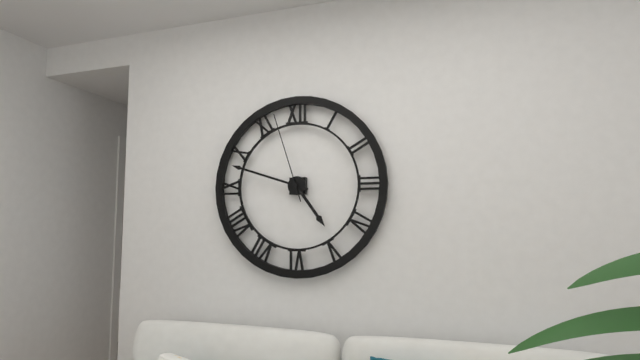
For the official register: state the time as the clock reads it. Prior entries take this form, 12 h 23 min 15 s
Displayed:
4 h 48 min 57 s
